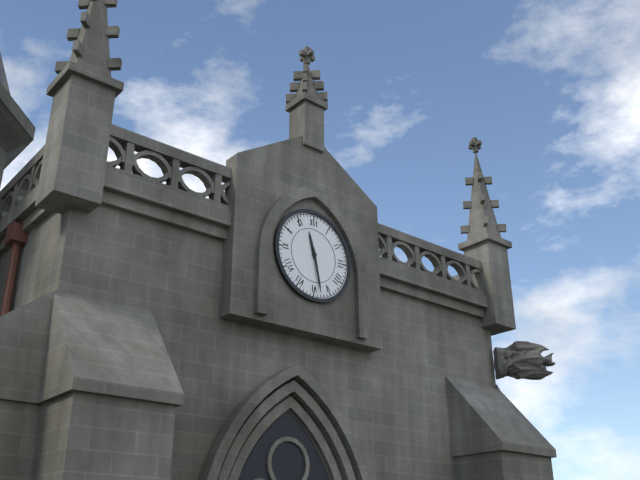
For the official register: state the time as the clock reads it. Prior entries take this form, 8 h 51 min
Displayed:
11 h 28 min
